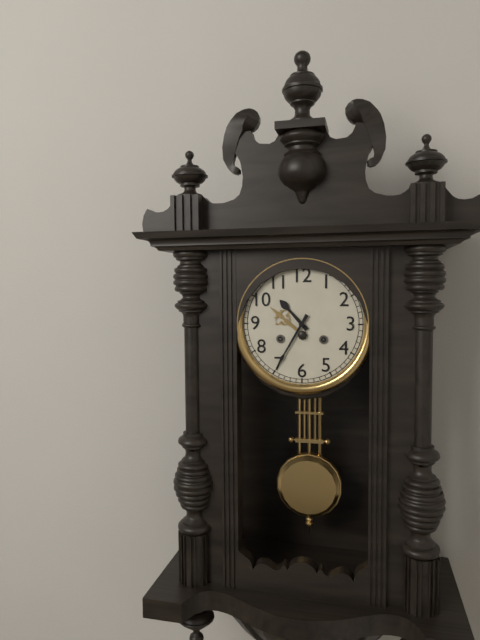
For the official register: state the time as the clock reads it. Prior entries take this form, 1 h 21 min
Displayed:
10 h 35 min
